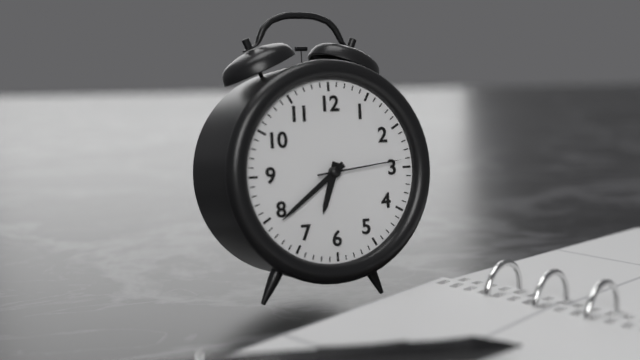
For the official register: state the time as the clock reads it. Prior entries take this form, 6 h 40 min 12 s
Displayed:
6 h 39 min 14 s
